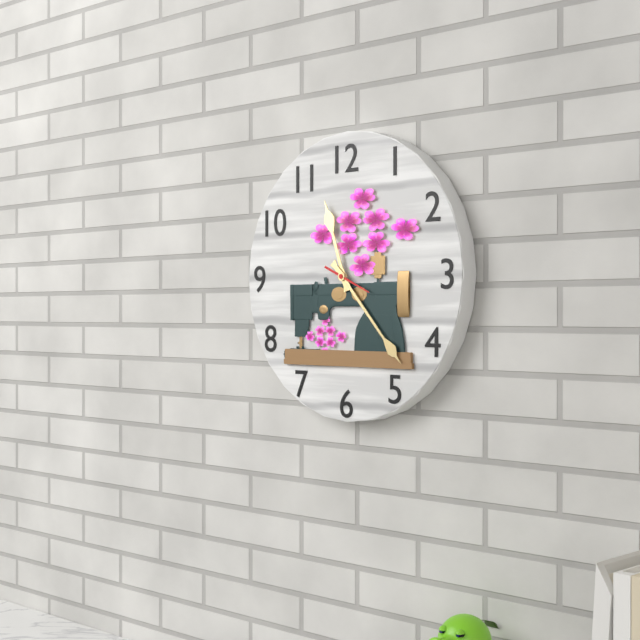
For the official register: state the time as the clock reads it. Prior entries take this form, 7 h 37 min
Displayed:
11 h 23 min
